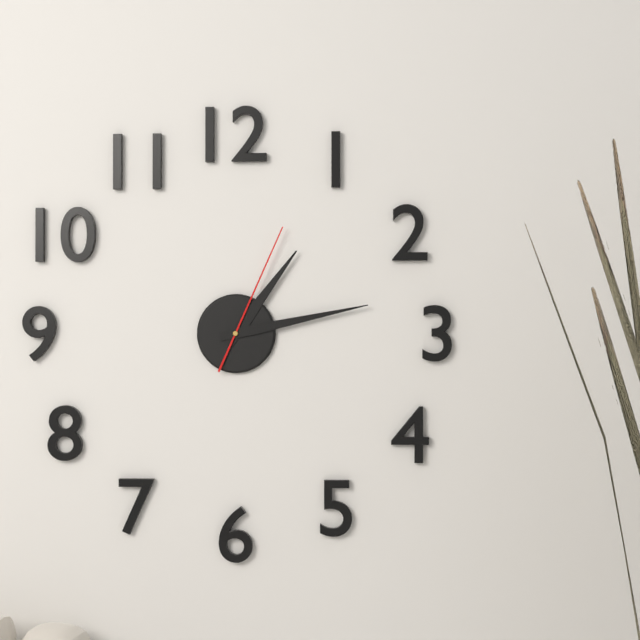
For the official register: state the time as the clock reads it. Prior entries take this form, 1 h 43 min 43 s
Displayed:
1 h 13 min 04 s
